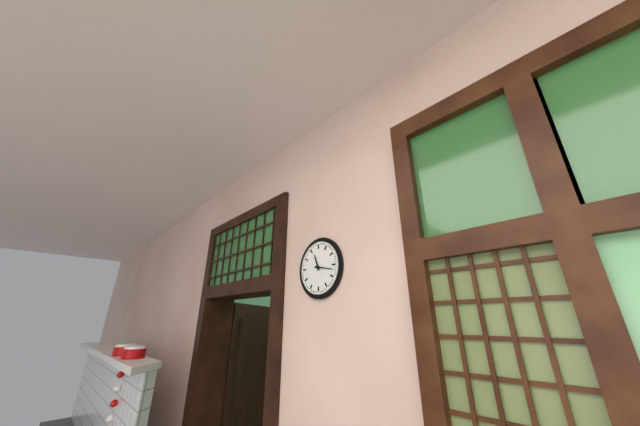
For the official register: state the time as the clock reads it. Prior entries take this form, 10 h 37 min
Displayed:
11 h 17 min
